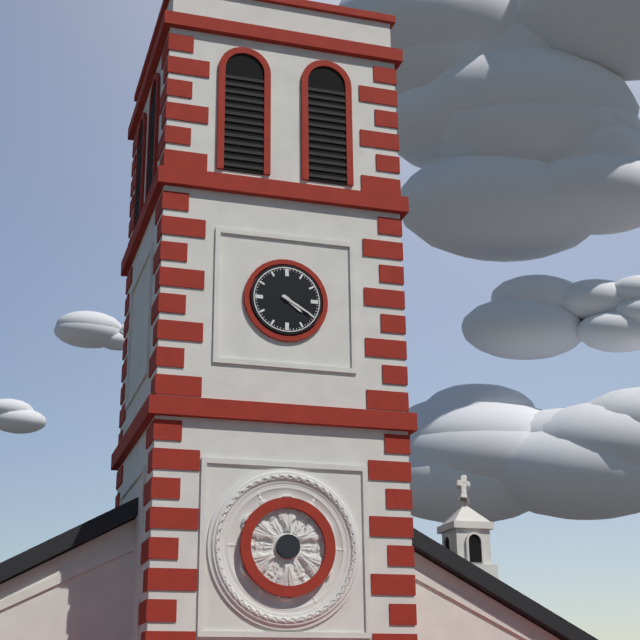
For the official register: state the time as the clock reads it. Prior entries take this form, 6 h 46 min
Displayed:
4 h 20 min
